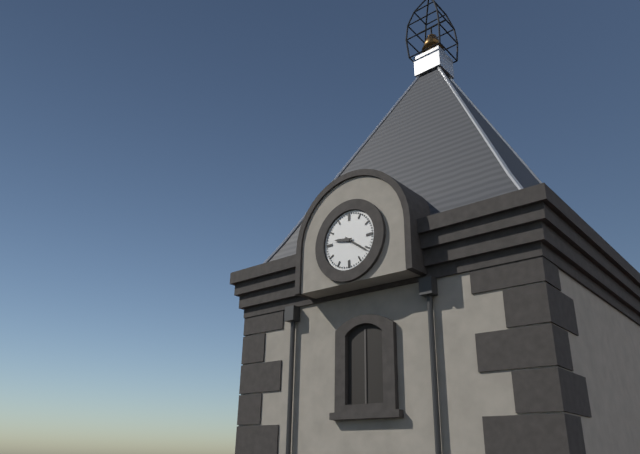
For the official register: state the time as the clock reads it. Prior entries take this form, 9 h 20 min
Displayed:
9 h 21 min
